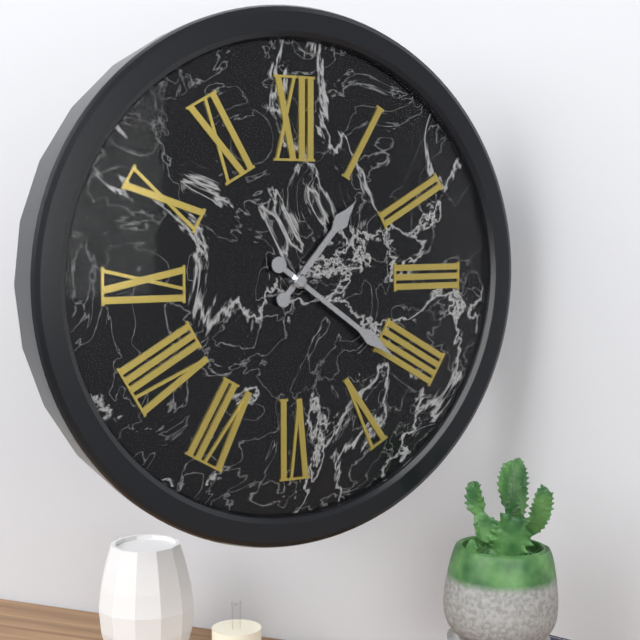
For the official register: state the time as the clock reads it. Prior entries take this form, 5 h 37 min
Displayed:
1 h 21 min
